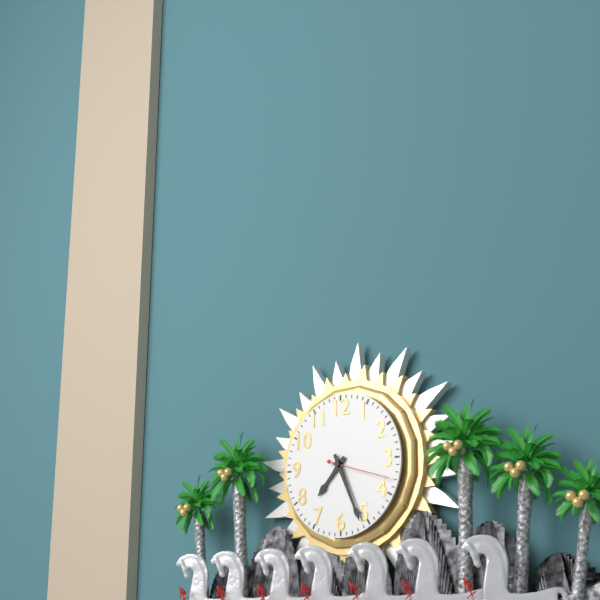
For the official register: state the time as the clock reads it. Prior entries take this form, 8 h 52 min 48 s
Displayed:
7 h 26 min 18 s
